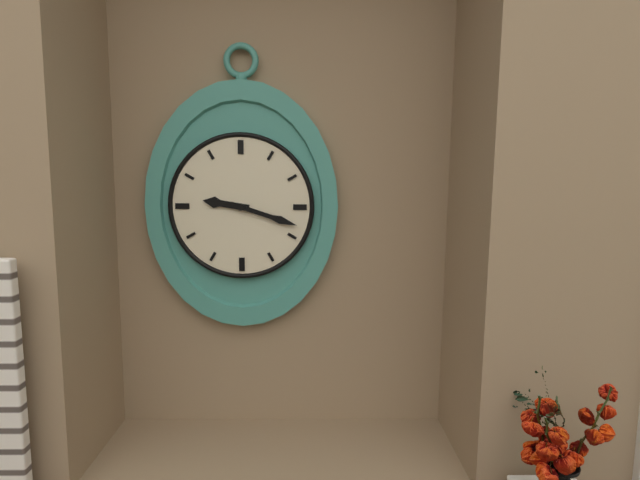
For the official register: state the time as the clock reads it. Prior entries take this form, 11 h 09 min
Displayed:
9 h 18 min
